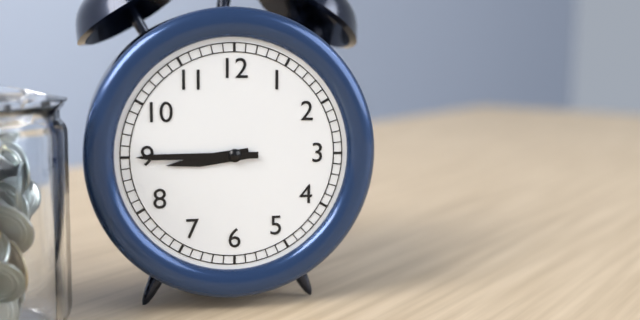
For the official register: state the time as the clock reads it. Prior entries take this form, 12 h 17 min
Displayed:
8 h 45 min
